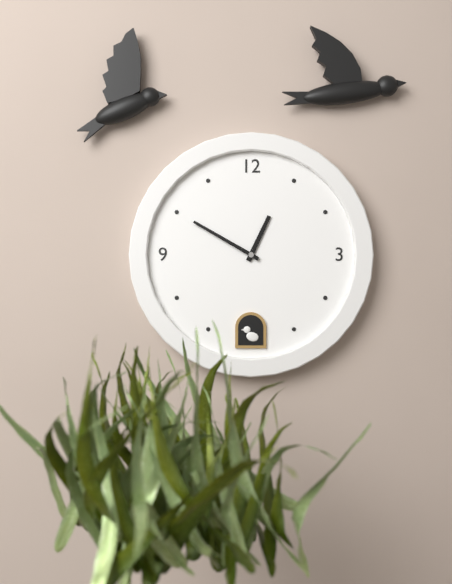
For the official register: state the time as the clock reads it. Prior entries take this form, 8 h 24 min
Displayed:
12 h 50 min
